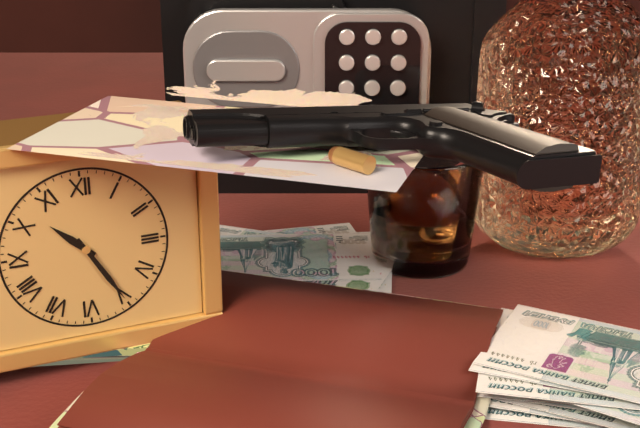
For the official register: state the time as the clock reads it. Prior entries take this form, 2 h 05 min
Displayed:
10 h 25 min
